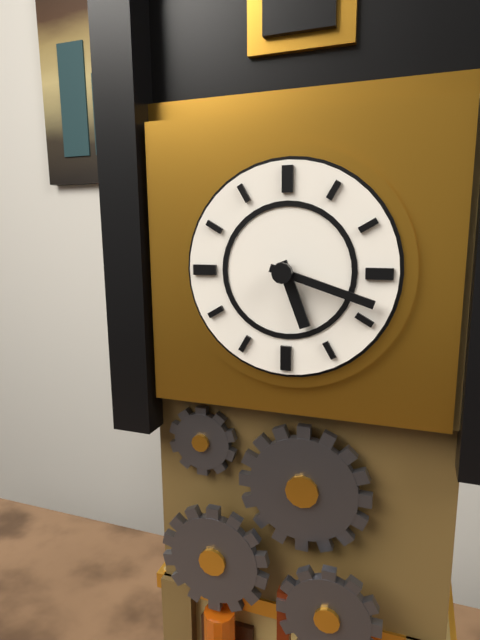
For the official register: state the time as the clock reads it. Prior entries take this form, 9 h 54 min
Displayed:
5 h 18 min
